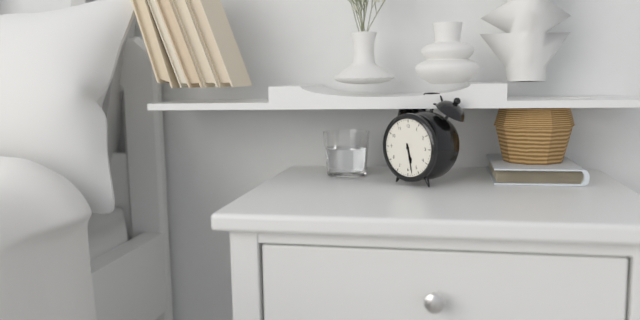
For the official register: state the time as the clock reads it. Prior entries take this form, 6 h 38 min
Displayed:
5 h 28 min
